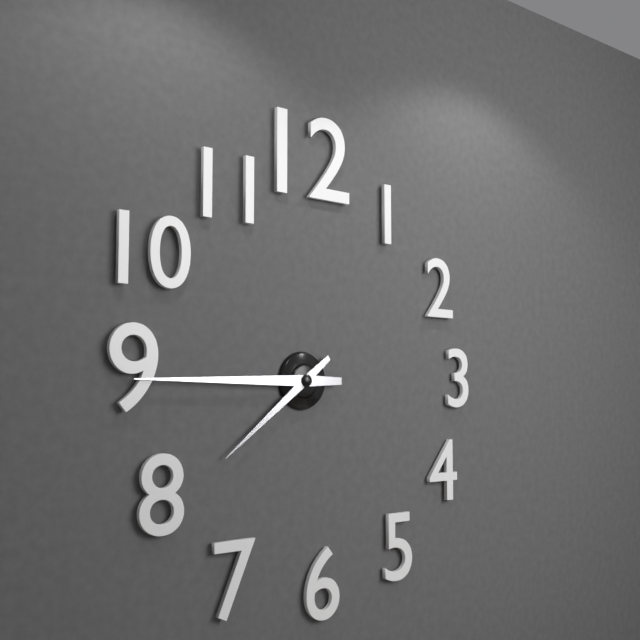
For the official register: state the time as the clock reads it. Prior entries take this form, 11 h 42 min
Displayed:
7 h 45 min
